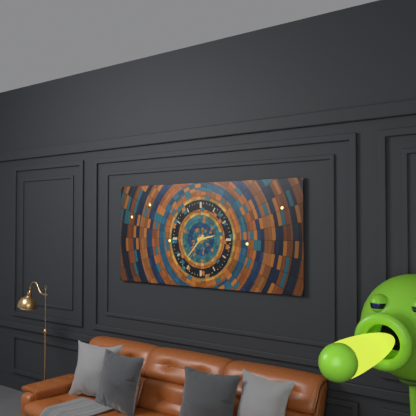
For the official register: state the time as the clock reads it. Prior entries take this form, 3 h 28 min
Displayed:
2 h 37 min
